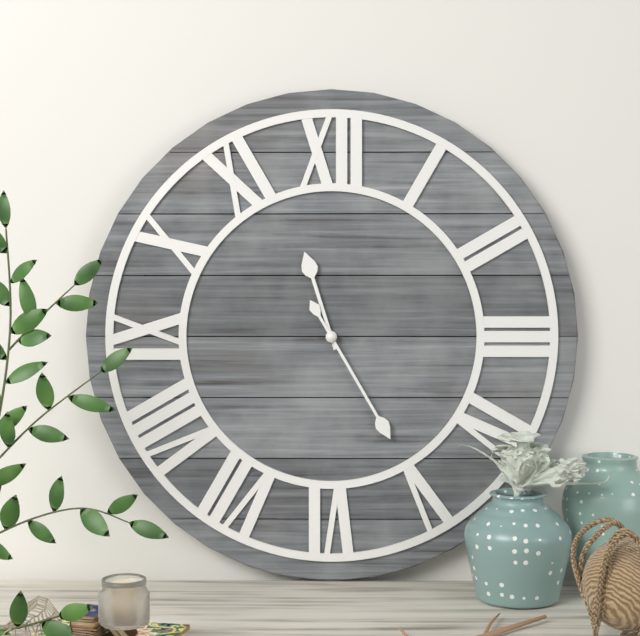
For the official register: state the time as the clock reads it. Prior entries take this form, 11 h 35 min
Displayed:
11 h 25 min
